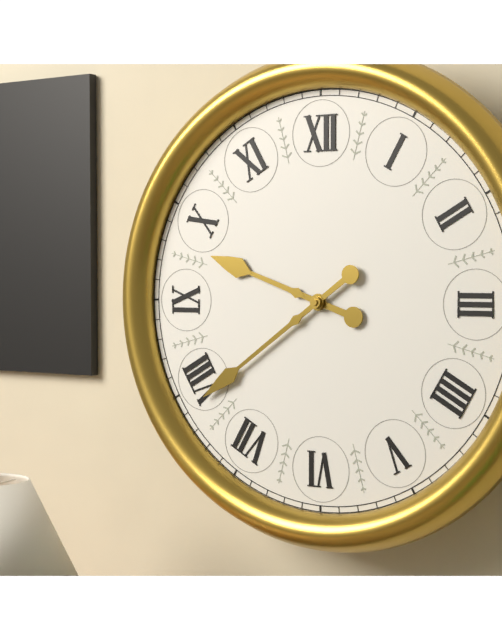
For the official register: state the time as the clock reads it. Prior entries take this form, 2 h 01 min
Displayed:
9 h 39 min
